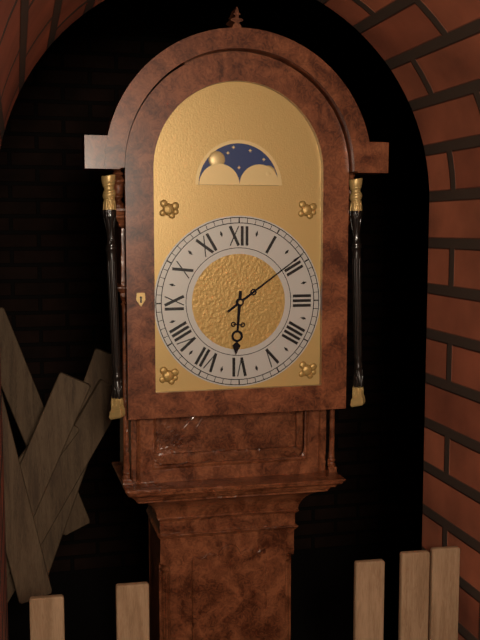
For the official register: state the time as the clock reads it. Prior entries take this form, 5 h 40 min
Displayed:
6 h 09 min
